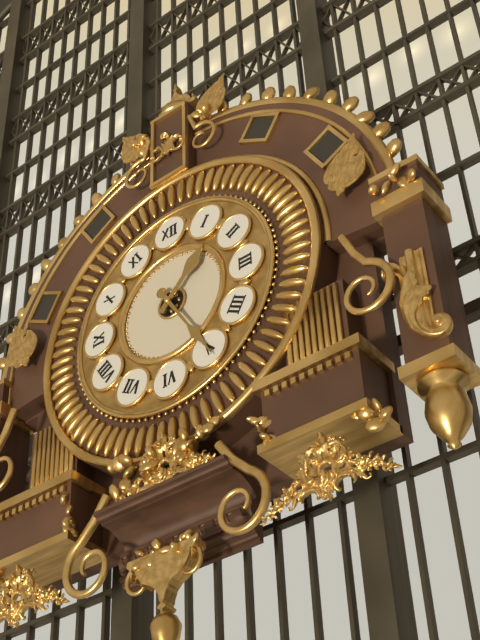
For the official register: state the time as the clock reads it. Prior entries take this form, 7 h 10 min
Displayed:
1 h 25 min
